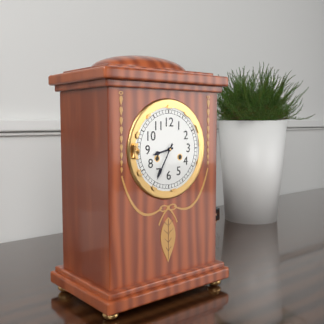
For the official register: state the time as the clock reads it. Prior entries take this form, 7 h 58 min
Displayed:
8 h 35 min
